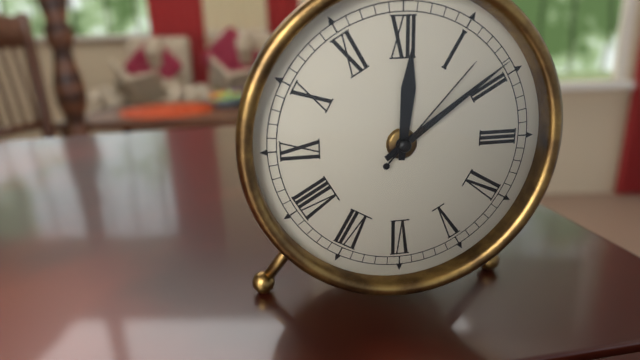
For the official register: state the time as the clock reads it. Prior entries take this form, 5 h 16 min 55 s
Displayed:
12 h 09 min 07 s
